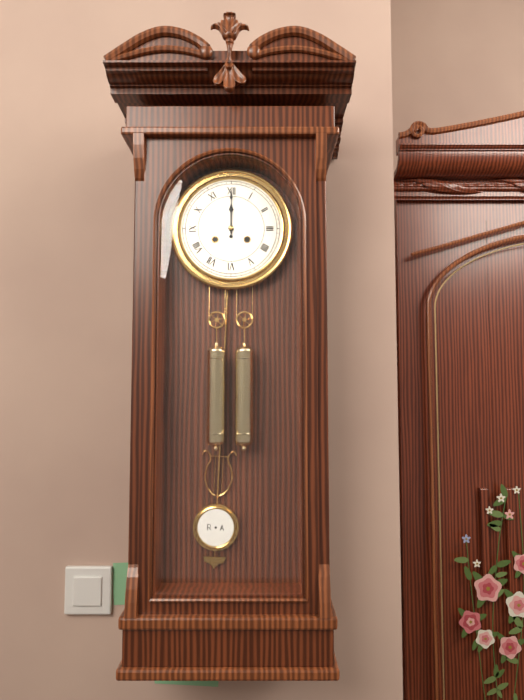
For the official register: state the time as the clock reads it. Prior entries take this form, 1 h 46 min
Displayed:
12 h 00 min
